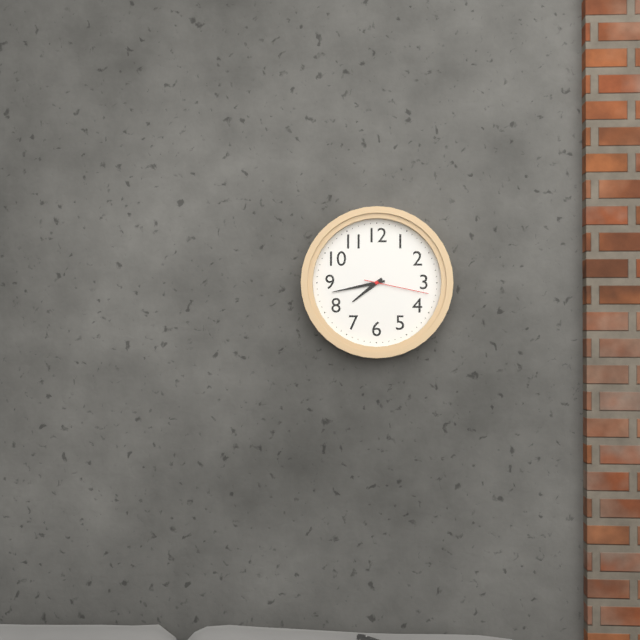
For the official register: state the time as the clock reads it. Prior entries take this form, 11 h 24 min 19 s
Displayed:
7 h 43 min 17 s
